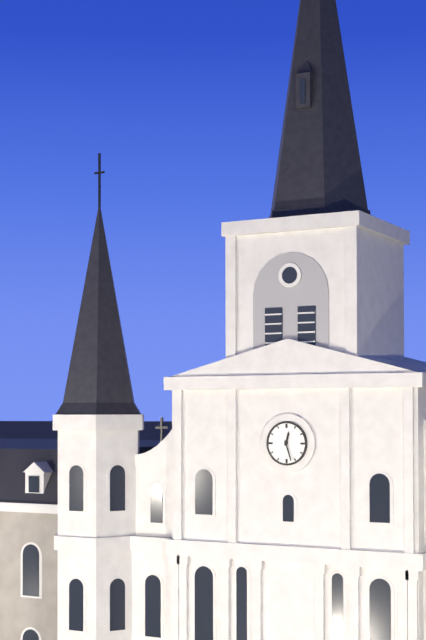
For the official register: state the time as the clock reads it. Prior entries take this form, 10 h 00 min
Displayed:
12 h 27 min
